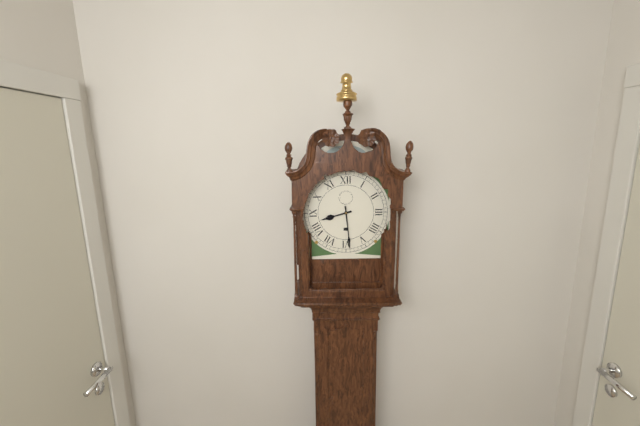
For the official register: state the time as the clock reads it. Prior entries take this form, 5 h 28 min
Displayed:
8 h 29 min
